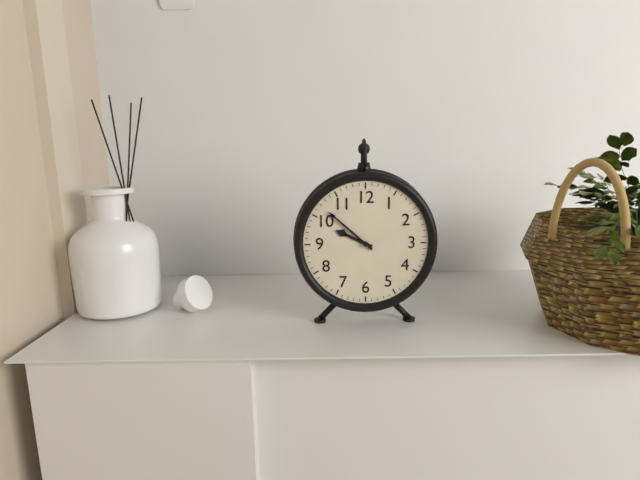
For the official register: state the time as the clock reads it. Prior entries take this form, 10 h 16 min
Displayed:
9 h 52 min
